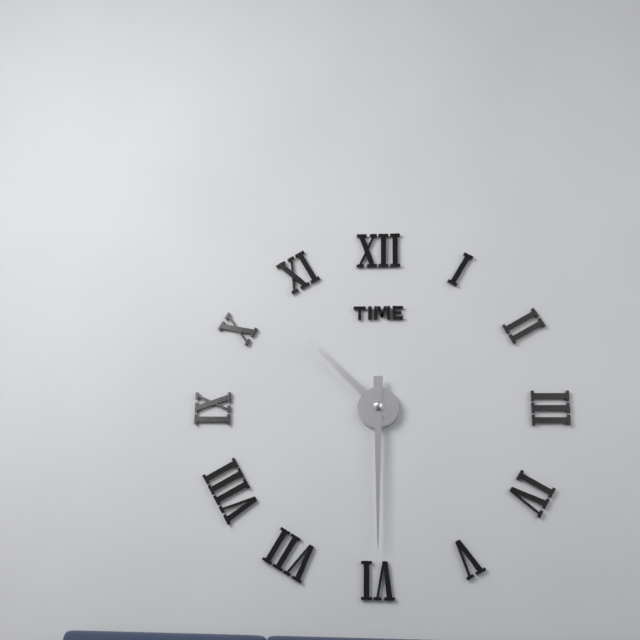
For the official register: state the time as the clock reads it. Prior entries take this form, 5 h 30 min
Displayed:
10 h 30 min
